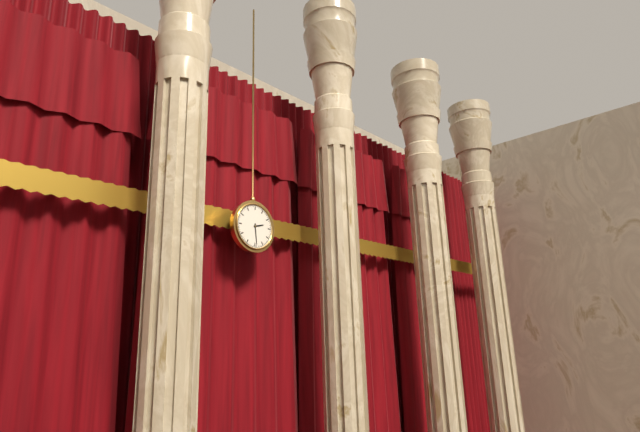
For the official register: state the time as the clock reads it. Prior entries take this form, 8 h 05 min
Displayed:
2 h 29 min
